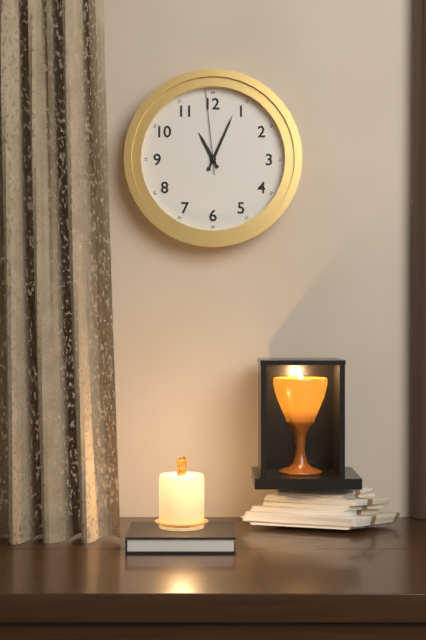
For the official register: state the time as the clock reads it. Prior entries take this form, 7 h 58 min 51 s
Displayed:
11 h 04 min 59 s
